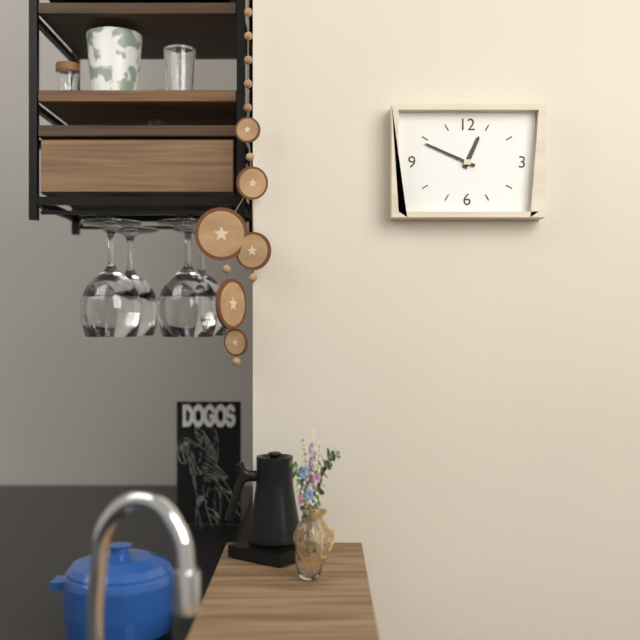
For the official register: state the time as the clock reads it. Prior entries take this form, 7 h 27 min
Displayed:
12 h 49 min
